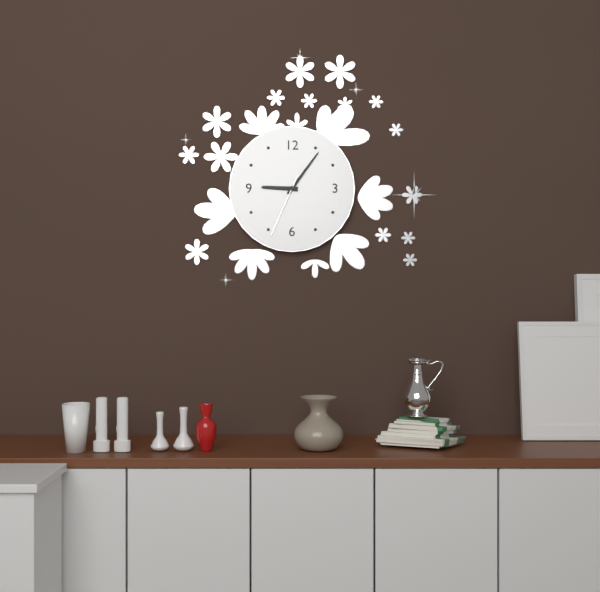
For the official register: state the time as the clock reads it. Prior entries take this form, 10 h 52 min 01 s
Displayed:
9 h 06 min 34 s
